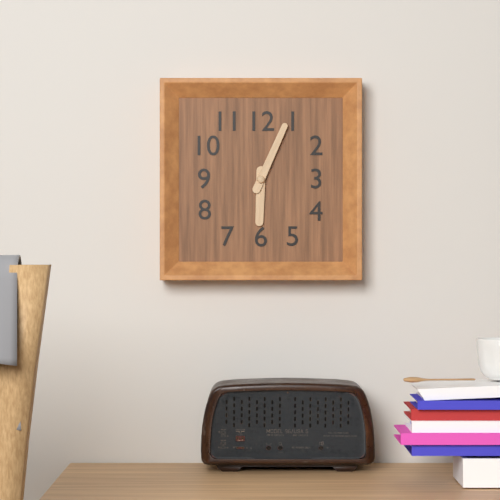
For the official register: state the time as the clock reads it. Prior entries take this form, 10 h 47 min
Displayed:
6 h 04 min
